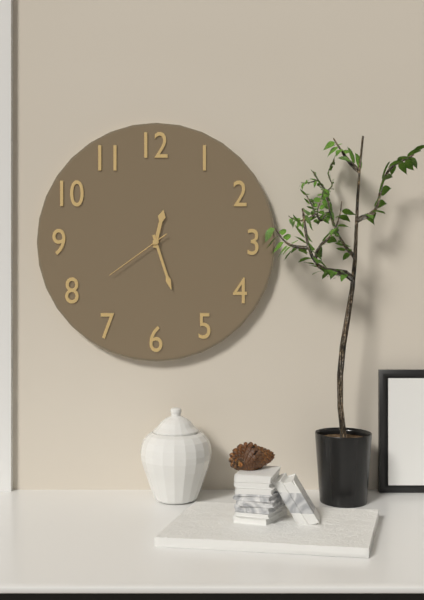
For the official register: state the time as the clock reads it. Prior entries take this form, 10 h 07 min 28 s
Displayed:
12 h 27 min 39 s
